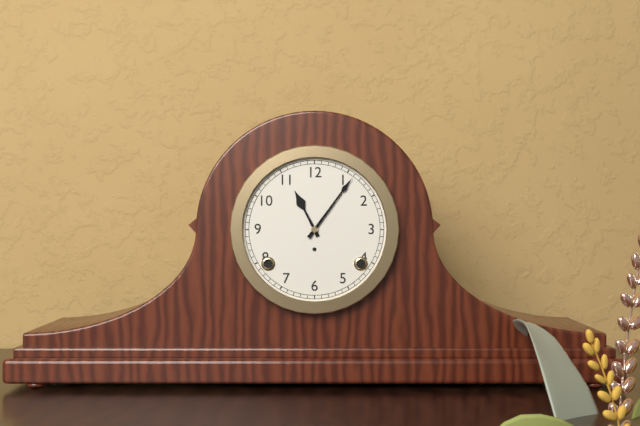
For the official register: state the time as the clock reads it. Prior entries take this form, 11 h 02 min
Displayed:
11 h 06 min
